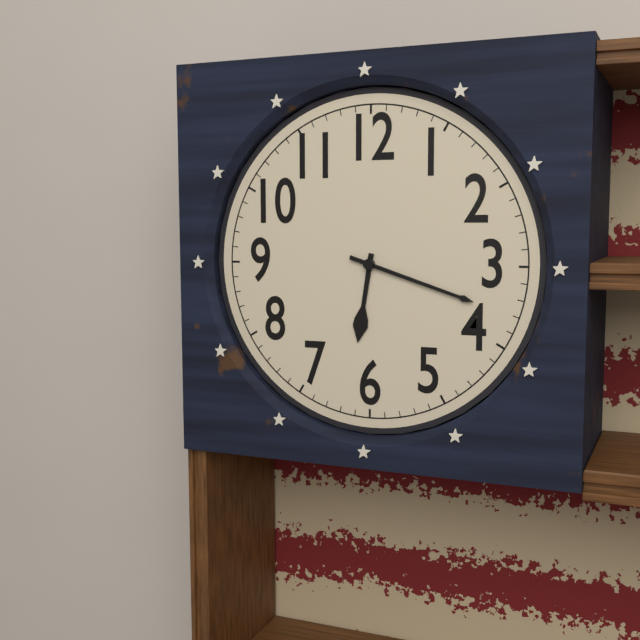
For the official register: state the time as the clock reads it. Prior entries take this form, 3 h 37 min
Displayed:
6 h 18 min
